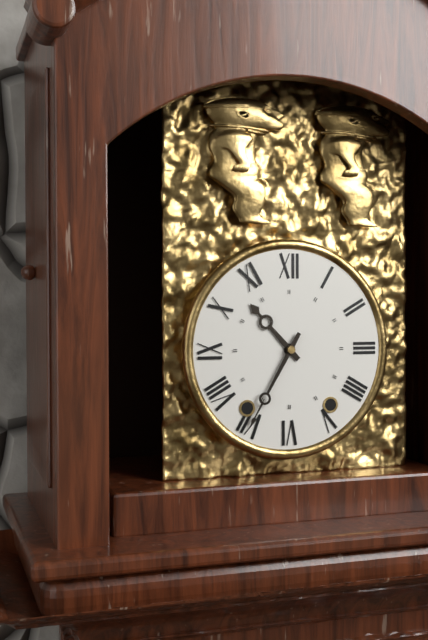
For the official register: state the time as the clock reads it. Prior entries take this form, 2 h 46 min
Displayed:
10 h 35 min
